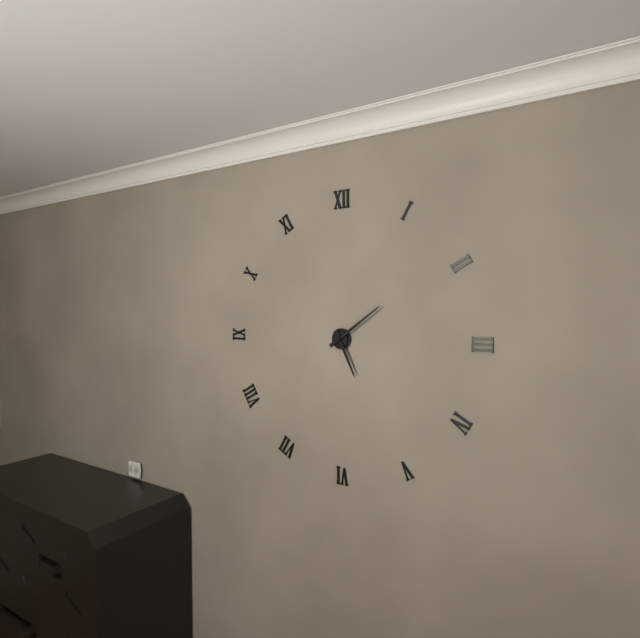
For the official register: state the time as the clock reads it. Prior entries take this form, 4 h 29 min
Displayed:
5 h 09 min
